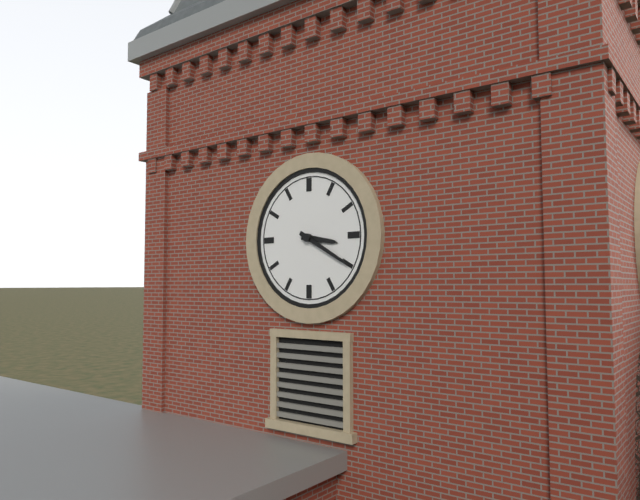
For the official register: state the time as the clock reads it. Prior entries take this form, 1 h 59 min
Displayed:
3 h 20 min
